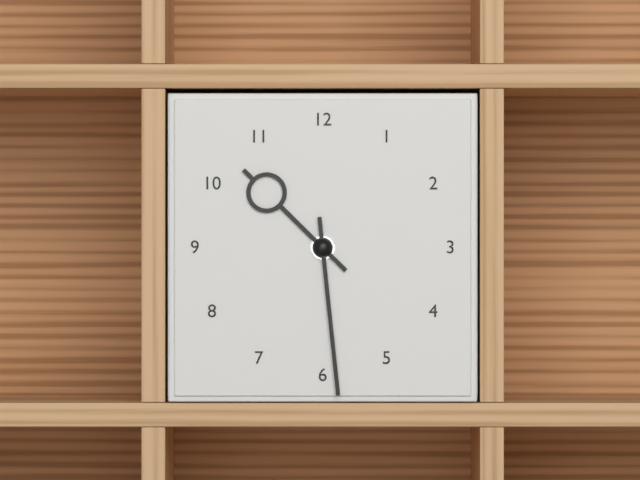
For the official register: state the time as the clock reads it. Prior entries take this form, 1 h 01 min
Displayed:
10 h 29 min
